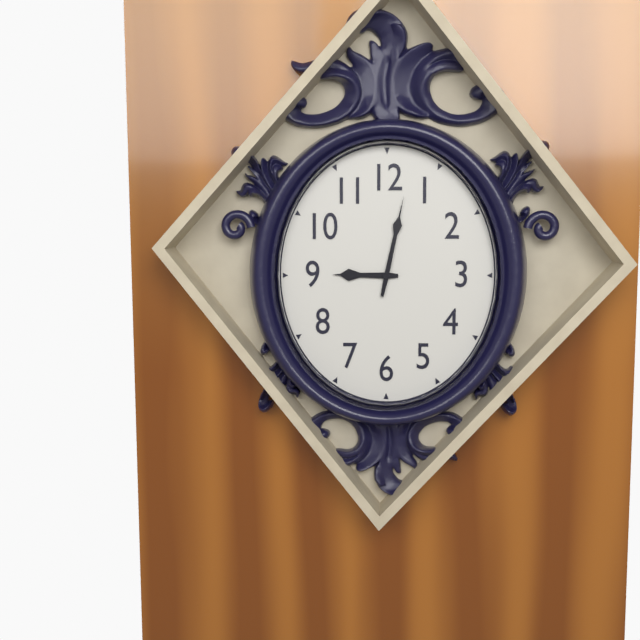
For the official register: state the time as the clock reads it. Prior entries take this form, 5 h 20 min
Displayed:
9 h 02 min
